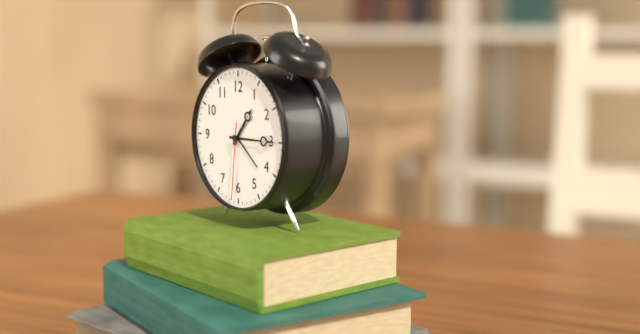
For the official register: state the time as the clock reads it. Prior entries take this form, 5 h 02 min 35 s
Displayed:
1 h 15 min 31 s
